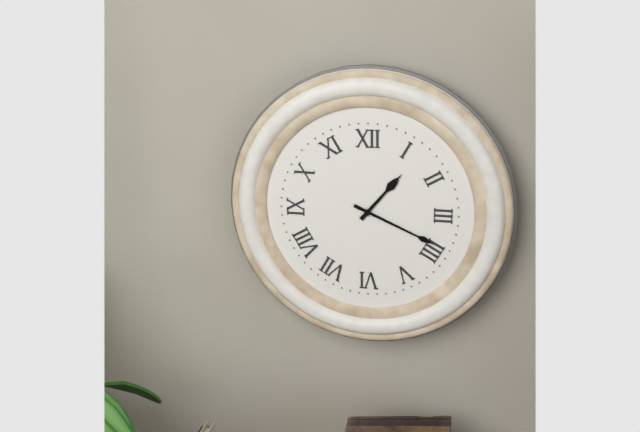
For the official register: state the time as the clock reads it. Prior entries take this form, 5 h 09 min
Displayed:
1 h 19 min
